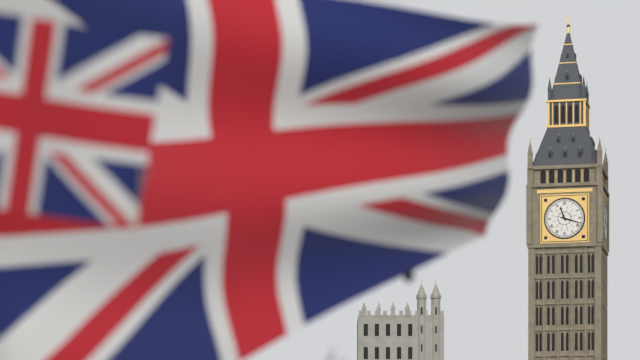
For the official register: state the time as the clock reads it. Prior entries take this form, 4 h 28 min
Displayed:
11 h 18 min
